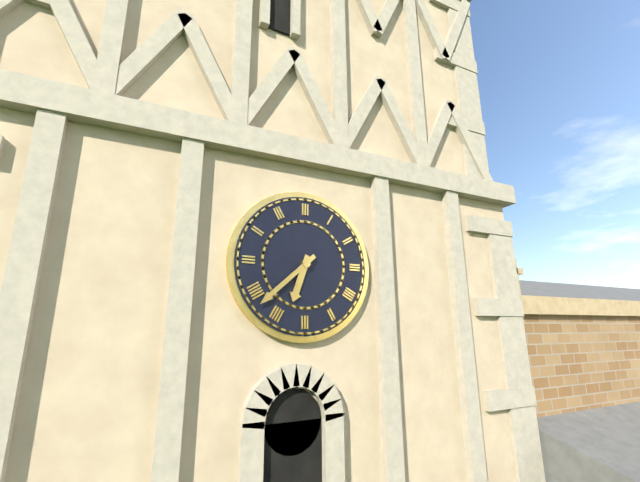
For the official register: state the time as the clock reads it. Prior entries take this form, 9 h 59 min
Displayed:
6 h 38 min
